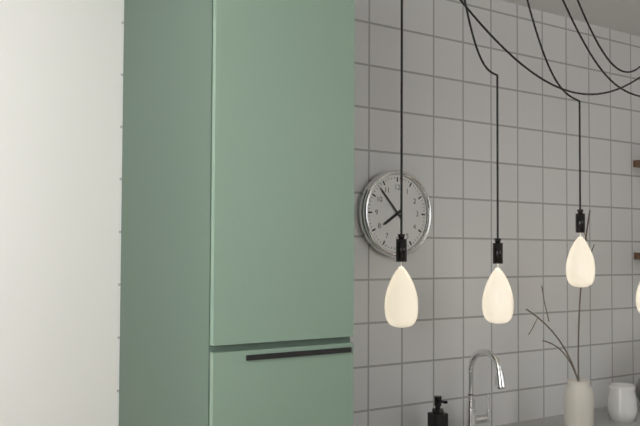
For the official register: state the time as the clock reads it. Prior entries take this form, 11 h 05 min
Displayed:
7 h 53 min
